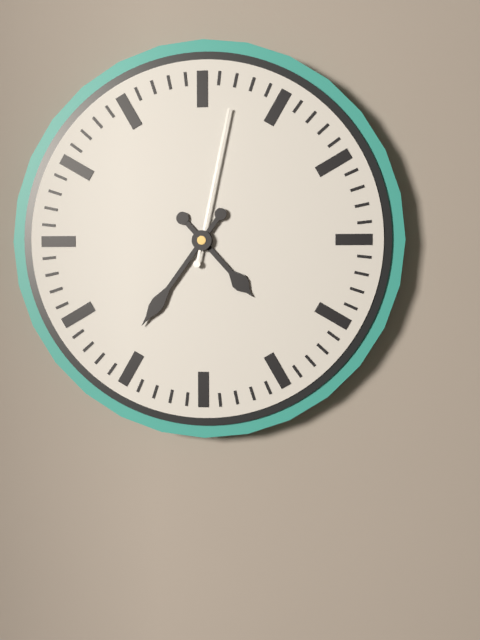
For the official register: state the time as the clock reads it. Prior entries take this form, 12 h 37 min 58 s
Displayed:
4 h 36 min 02 s
